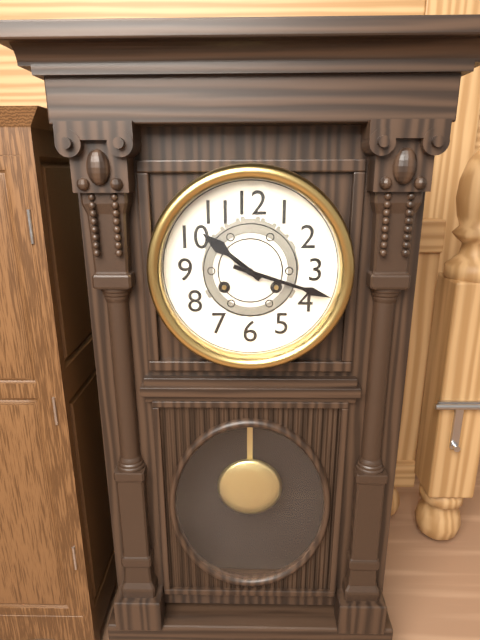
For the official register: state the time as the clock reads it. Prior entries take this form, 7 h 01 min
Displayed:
10 h 18 min
